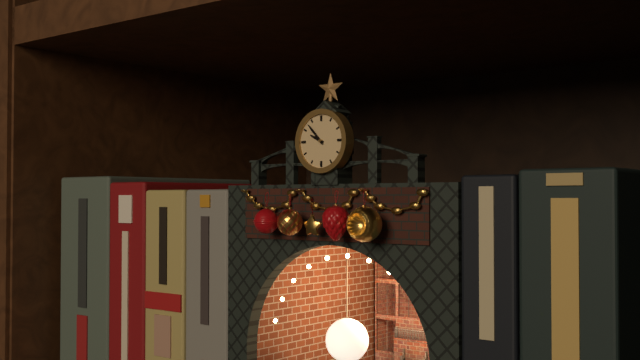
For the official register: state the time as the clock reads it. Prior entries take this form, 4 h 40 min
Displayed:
9 h 53 min
